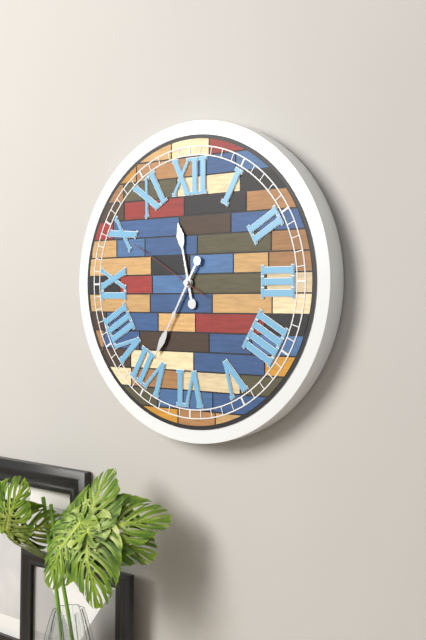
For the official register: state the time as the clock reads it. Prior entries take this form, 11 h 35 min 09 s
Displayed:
11 h 35 min 50 s
